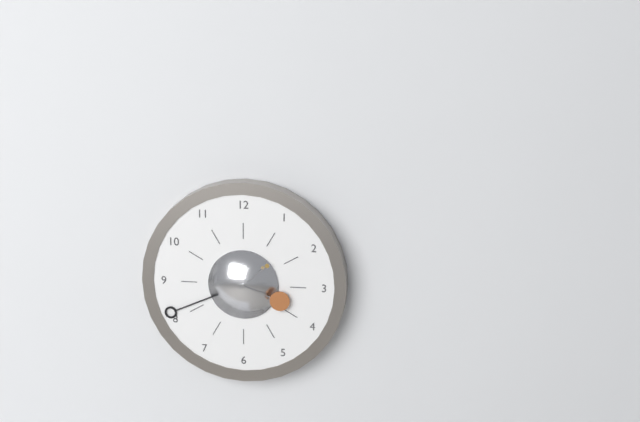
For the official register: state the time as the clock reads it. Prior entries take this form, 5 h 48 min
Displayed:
3 h 41 min
